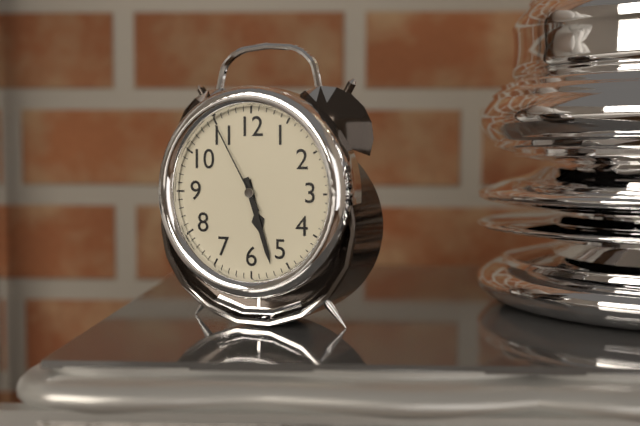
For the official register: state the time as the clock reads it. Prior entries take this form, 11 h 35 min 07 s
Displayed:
5 h 27 min 55 s
